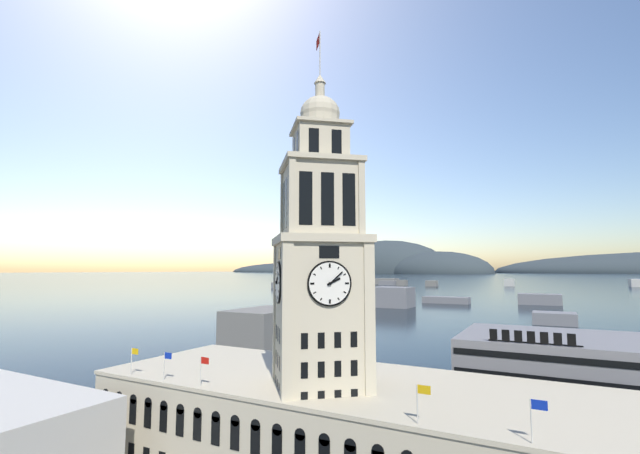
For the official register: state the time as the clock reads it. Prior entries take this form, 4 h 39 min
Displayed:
2 h 08 min
